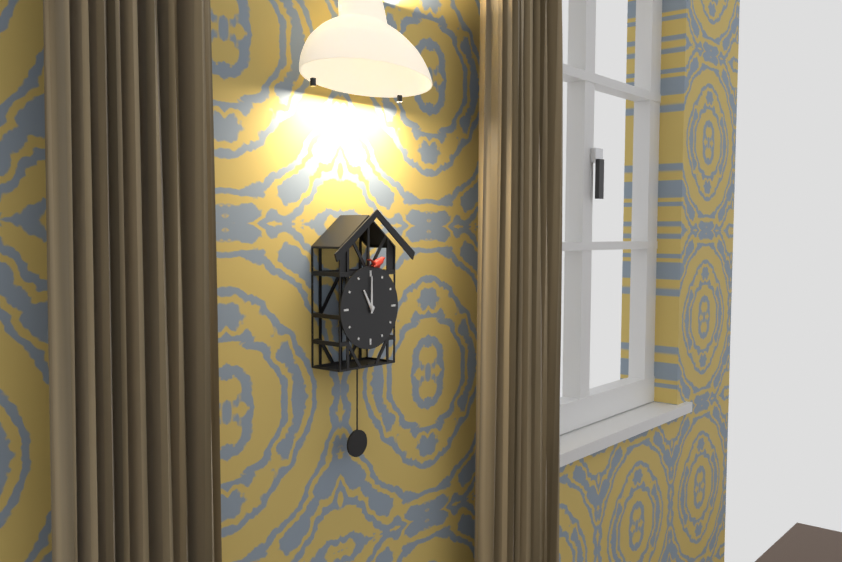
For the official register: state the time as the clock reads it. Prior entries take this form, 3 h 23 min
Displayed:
11 h 00 min
